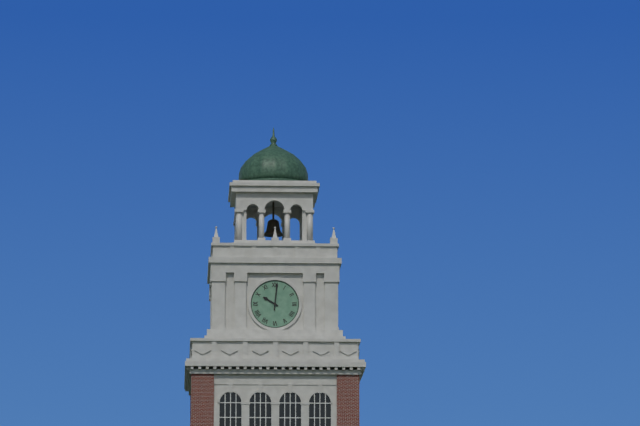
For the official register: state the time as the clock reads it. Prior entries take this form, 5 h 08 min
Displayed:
10 h 01 min
